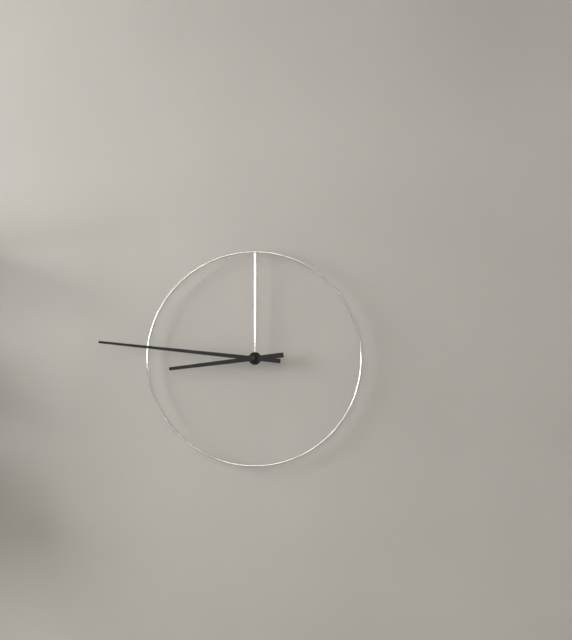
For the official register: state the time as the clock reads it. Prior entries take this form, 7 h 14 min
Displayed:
8 h 46 min
